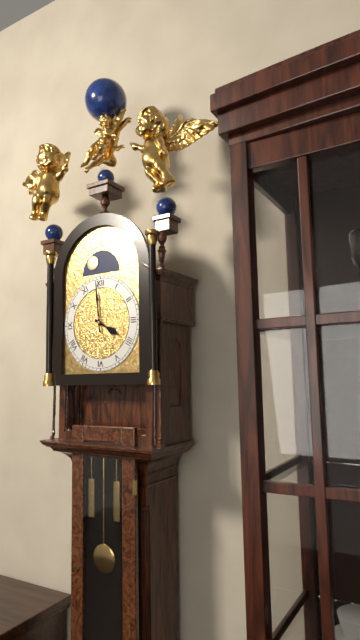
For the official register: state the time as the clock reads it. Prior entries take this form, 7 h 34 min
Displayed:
3 h 59 min
